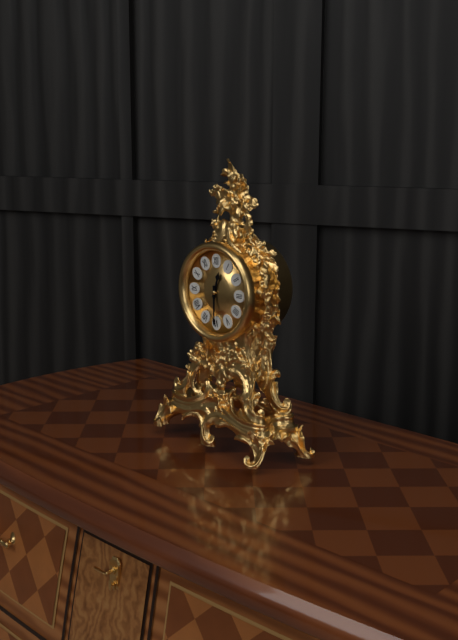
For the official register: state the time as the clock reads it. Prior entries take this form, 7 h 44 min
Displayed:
12 h 30 min
